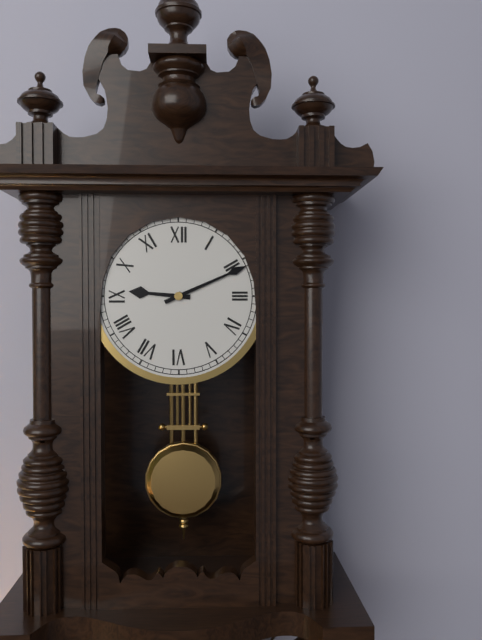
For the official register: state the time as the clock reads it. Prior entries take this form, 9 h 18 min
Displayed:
9 h 11 min
